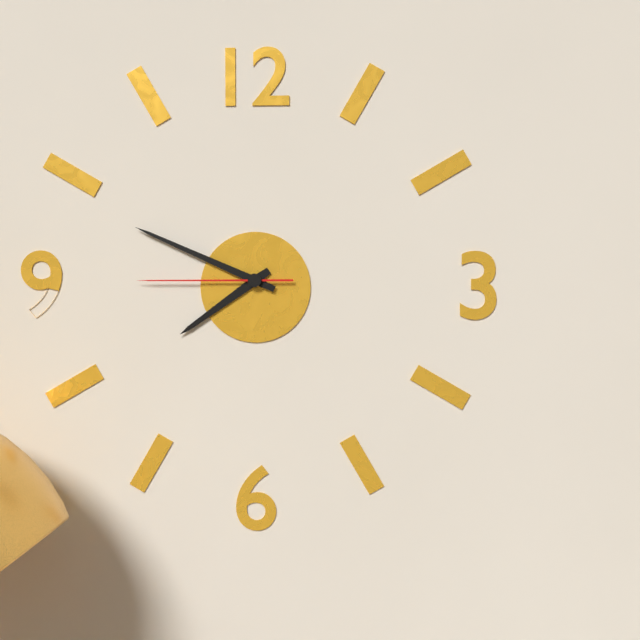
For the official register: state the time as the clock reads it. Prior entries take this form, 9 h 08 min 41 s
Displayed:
7 h 49 min 45 s
